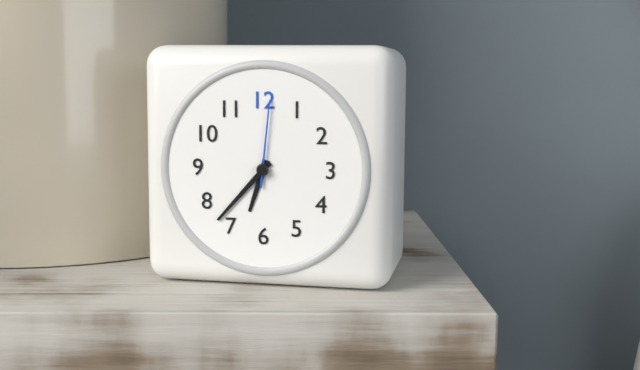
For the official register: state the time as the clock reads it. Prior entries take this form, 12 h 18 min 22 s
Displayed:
6 h 37 min 01 s
